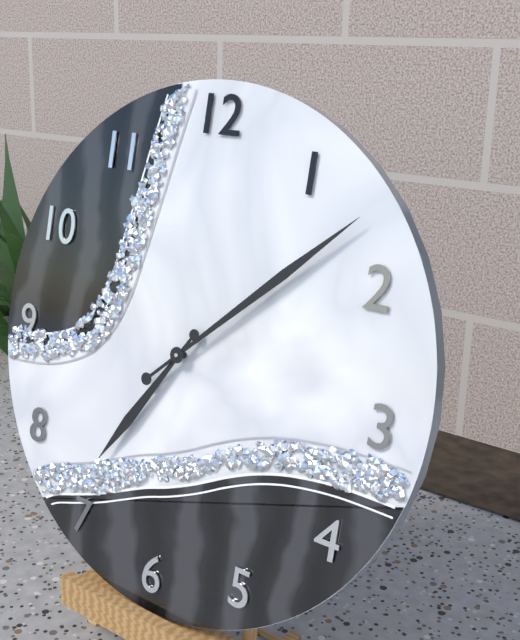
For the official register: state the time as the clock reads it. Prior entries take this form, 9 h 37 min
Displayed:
7 h 08 min
